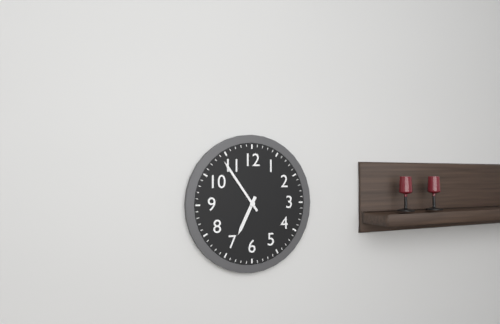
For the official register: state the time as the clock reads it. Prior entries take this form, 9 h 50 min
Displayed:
6 h 54 min
